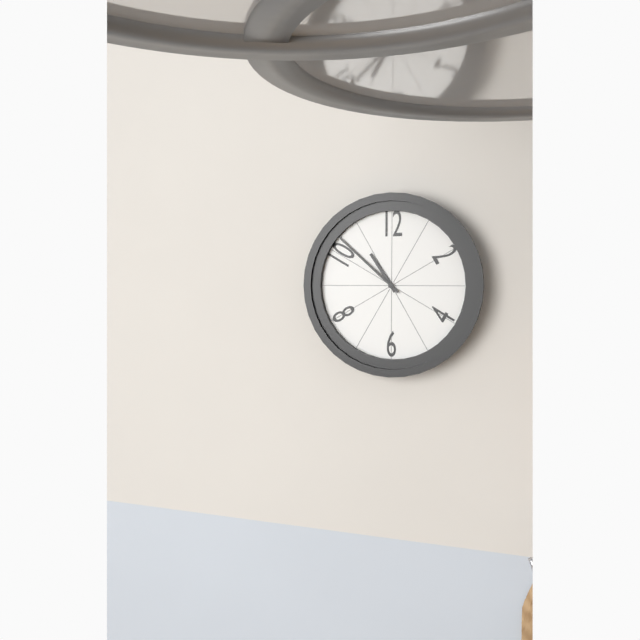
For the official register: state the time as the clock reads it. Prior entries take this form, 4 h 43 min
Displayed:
10 h 52 min
